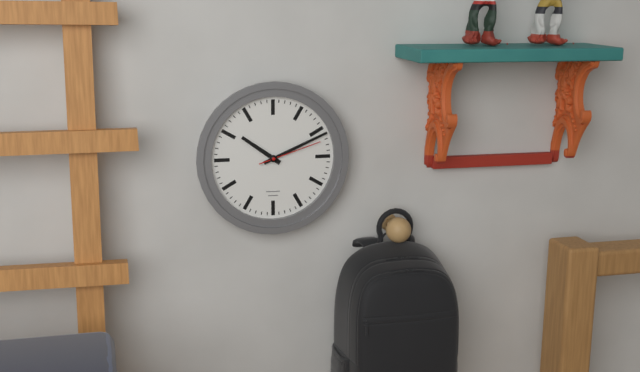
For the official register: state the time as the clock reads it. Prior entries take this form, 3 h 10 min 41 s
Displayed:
10 h 11 min 12 s
